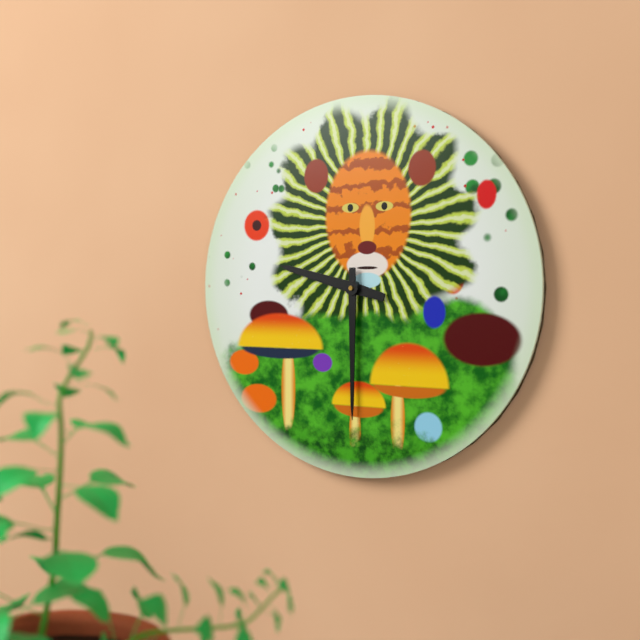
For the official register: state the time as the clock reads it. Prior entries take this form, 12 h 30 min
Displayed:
9 h 30 min
